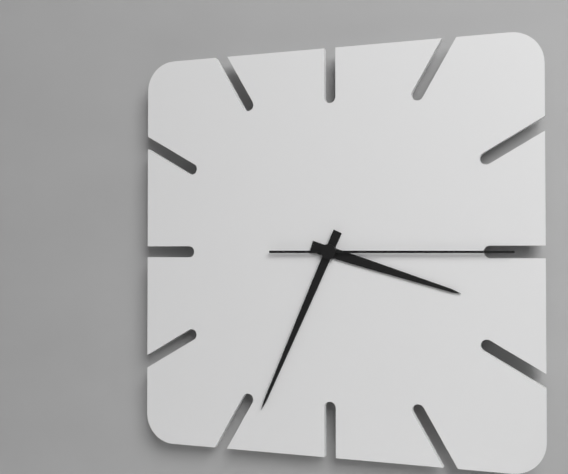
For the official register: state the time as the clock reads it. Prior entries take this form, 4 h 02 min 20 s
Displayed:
3 h 34 min 15 s
